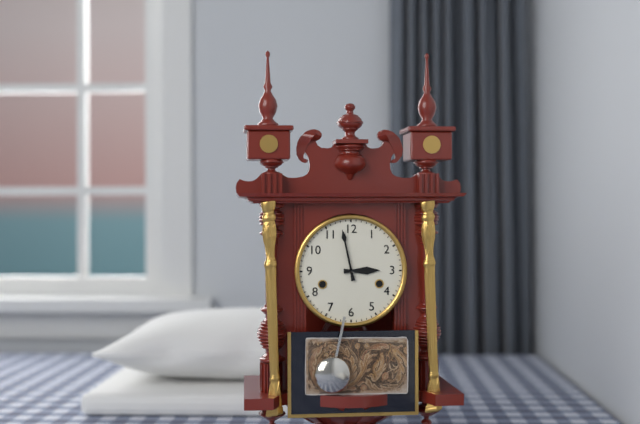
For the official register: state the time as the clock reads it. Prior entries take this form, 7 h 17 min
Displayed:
2 h 58 min
